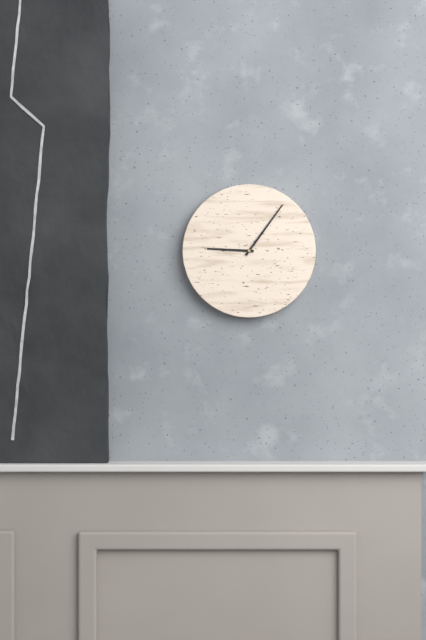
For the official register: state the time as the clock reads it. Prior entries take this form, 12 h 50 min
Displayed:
9 h 06 min
